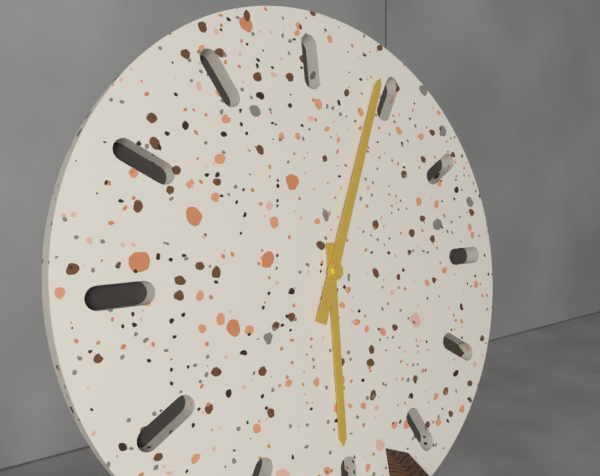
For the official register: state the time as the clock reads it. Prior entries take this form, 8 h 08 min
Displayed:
6 h 04 min
